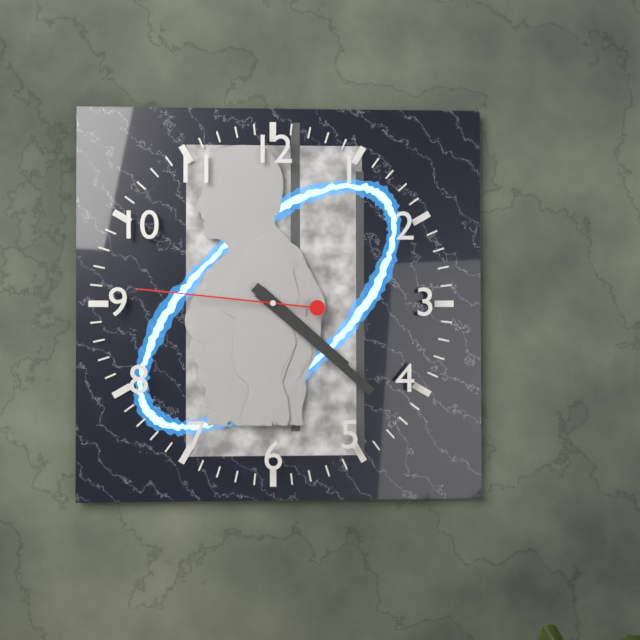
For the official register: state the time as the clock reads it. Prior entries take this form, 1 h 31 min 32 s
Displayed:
4 h 22 min 46 s
